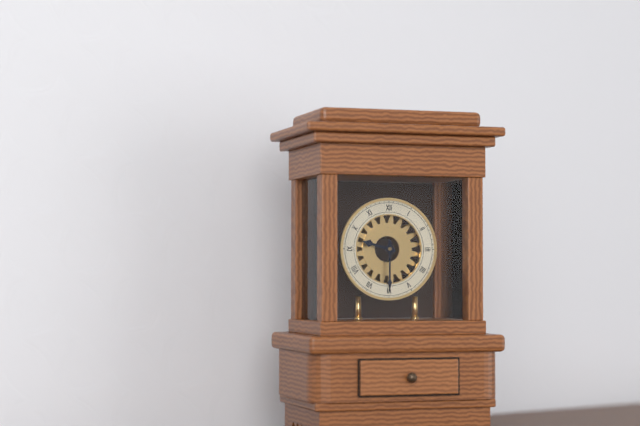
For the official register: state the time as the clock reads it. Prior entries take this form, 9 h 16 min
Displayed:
9 h 30 min
